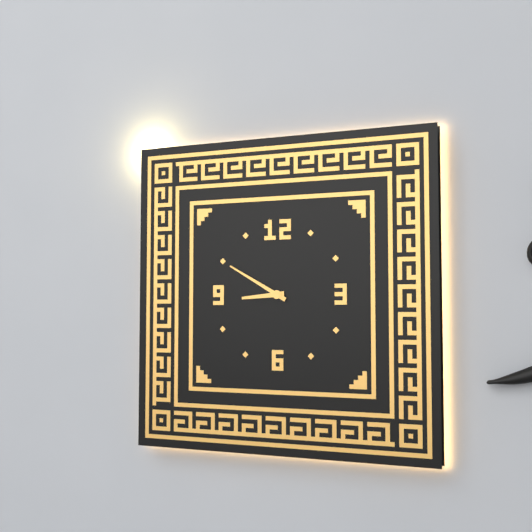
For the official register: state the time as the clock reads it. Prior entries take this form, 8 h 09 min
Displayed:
8 h 50 min
